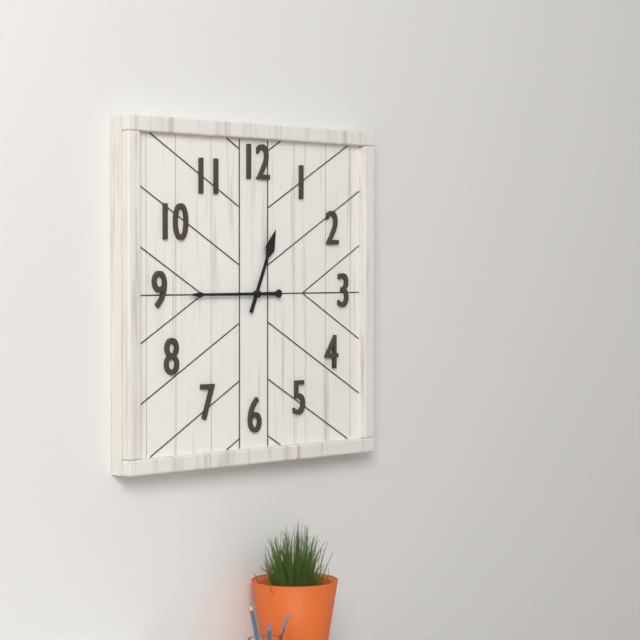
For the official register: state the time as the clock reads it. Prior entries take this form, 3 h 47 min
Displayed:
12 h 45 min
